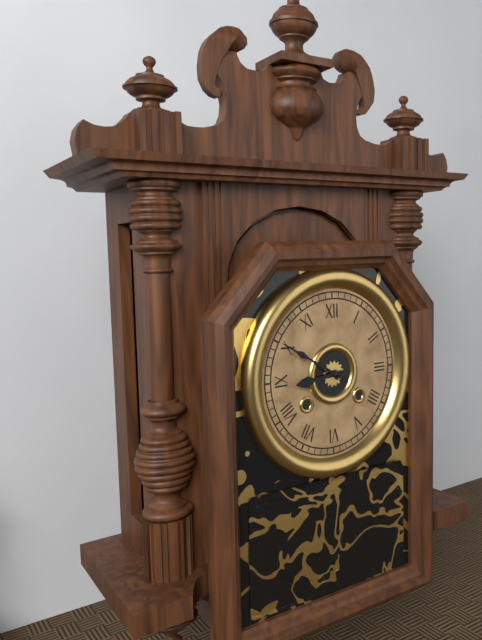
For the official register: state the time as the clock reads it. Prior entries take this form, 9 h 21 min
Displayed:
8 h 50 min
